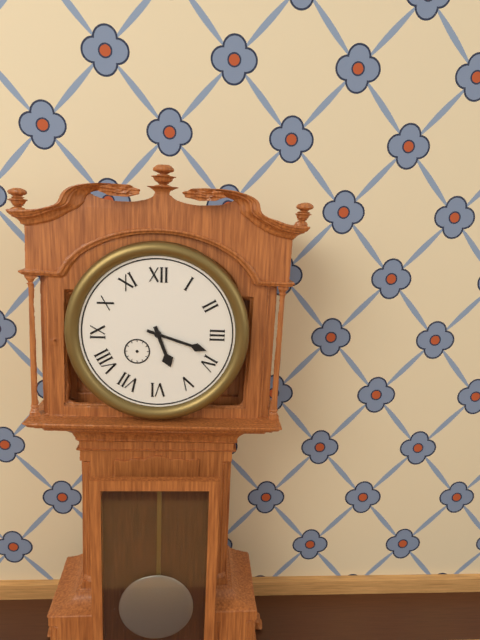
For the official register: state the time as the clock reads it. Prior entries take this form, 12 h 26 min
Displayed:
5 h 18 min
